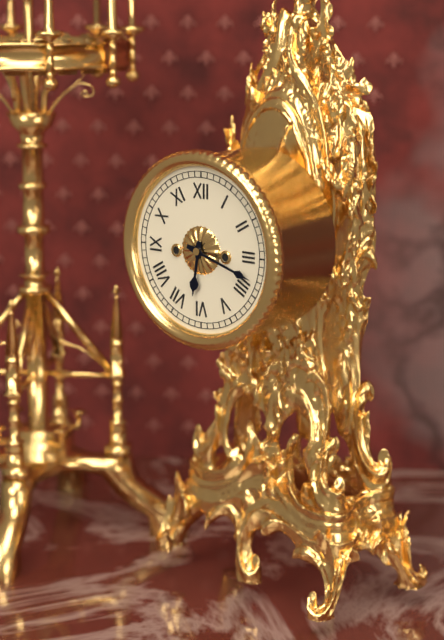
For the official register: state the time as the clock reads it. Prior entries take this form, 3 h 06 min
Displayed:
6 h 18 min
